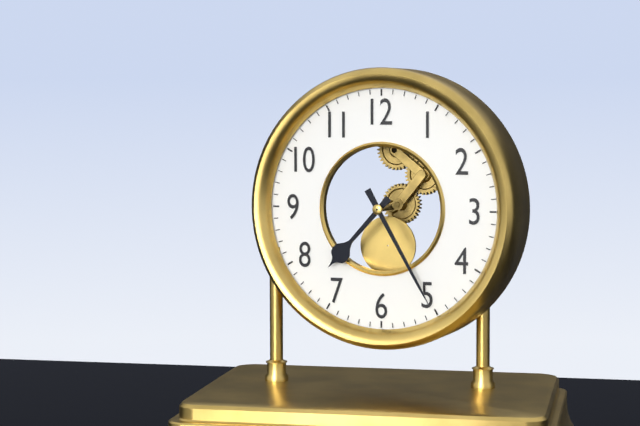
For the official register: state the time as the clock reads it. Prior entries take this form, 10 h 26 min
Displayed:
7 h 25 min
